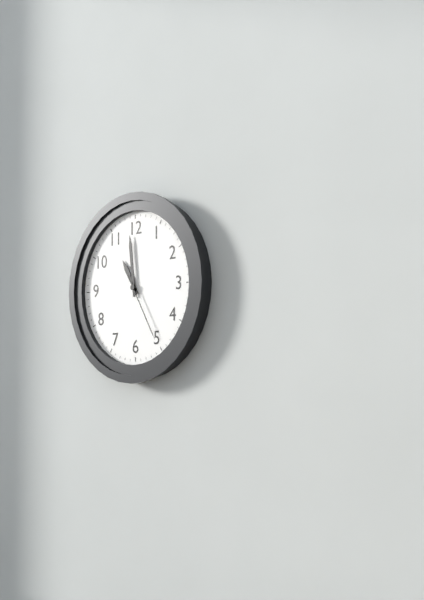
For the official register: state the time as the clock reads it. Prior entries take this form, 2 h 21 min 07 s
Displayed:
10 h 59 min 25 s
